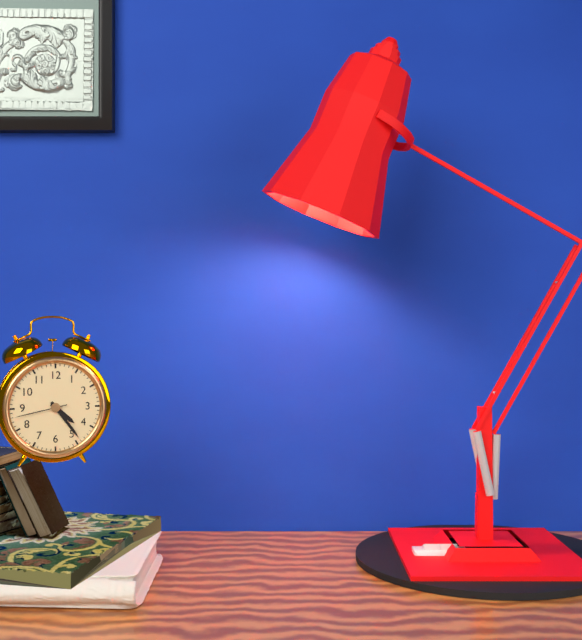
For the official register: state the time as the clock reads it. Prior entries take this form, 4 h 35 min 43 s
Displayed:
4 h 24 min 43 s
